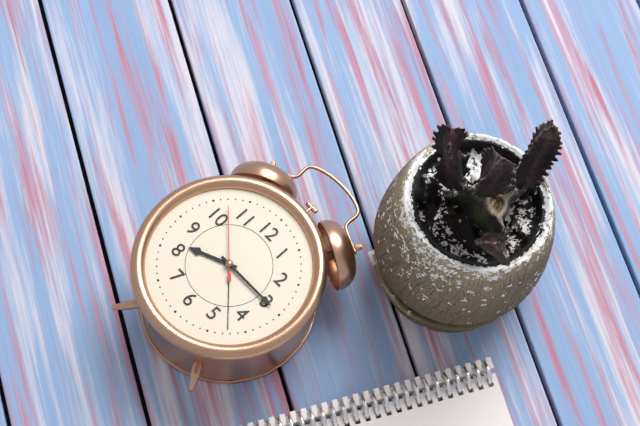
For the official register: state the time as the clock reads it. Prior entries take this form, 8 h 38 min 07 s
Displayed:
8 h 15 min 52 s
